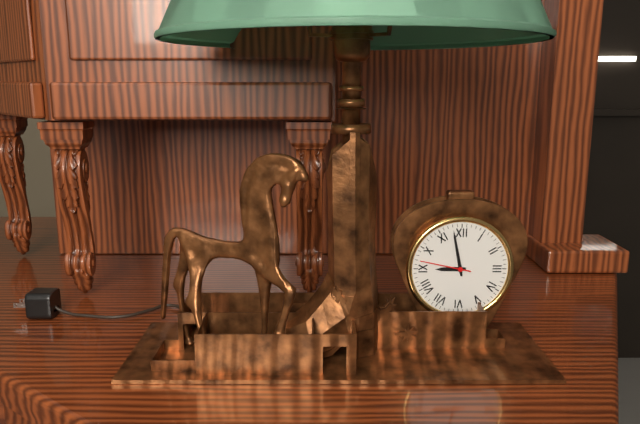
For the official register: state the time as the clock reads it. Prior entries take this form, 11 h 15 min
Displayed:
8 h 58 min
